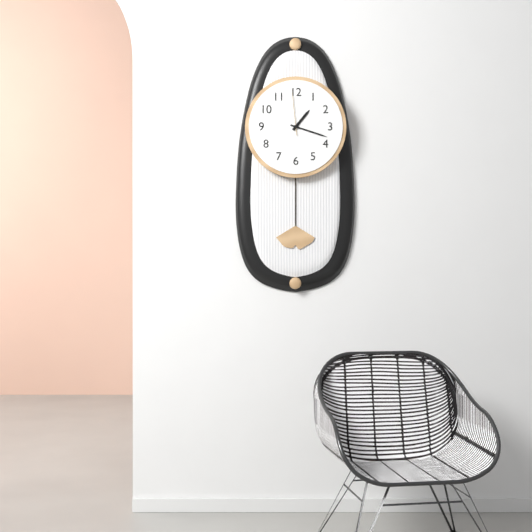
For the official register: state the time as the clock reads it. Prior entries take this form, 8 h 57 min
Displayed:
1 h 18 min
